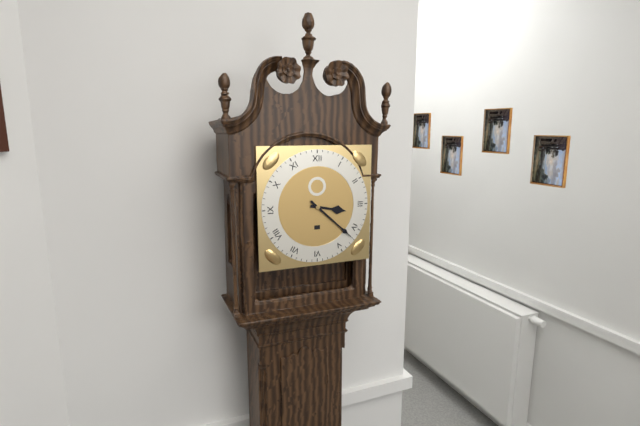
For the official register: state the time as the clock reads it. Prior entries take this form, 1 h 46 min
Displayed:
3 h 22 min
